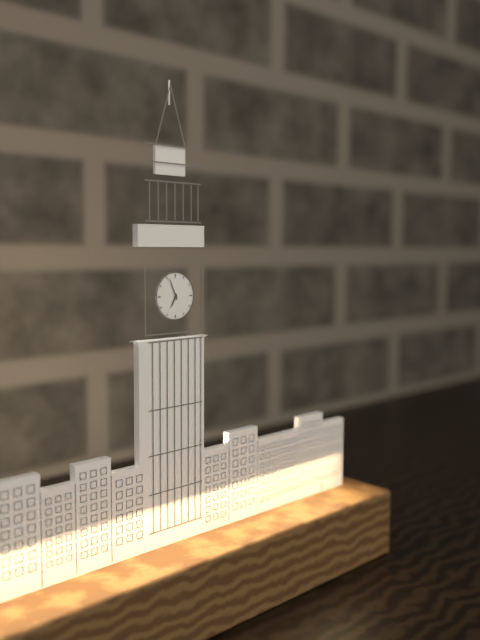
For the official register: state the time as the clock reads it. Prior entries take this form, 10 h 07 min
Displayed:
6 h 56 min
